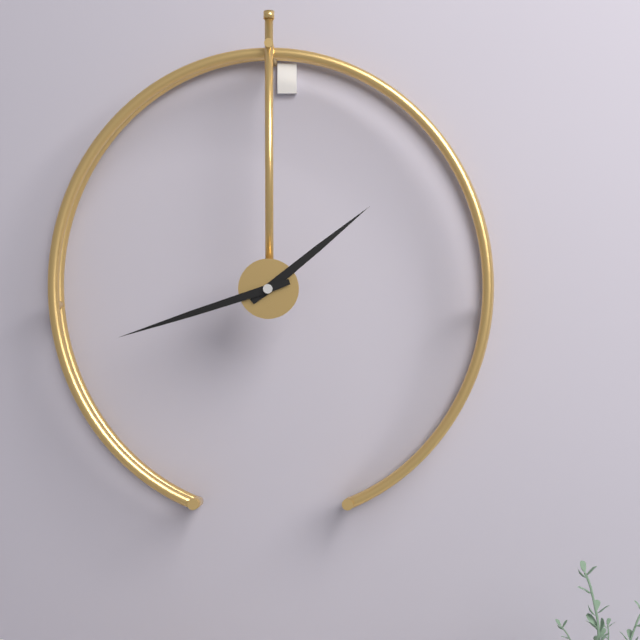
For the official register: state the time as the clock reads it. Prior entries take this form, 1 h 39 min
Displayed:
1 h 42 min
